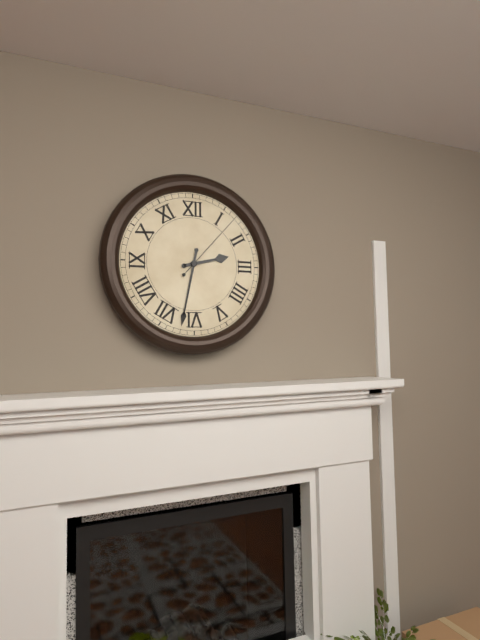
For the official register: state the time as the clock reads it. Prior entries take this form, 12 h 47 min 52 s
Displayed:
2 h 32 min 07 s
